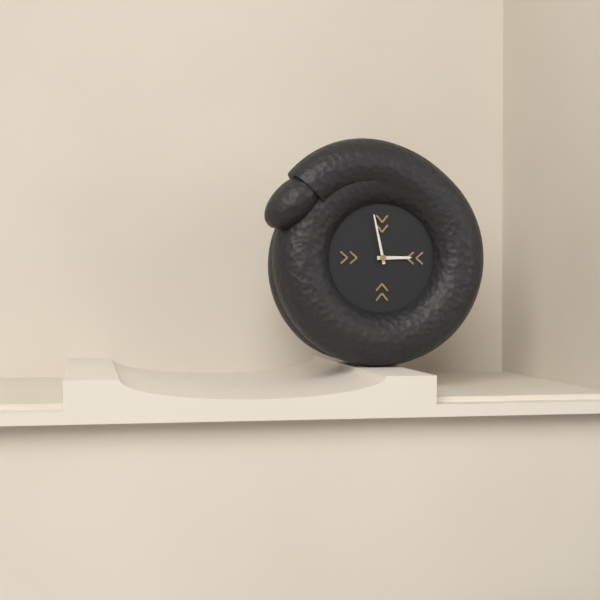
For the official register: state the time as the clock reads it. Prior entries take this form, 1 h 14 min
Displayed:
2 h 58 min
